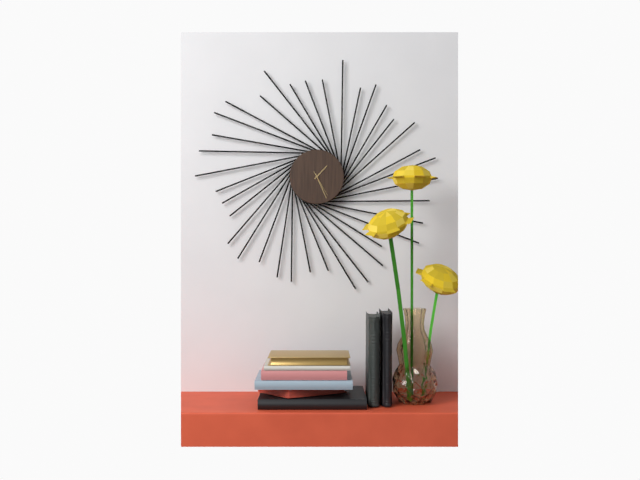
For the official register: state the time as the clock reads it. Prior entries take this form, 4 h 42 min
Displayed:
1 h 26 min
